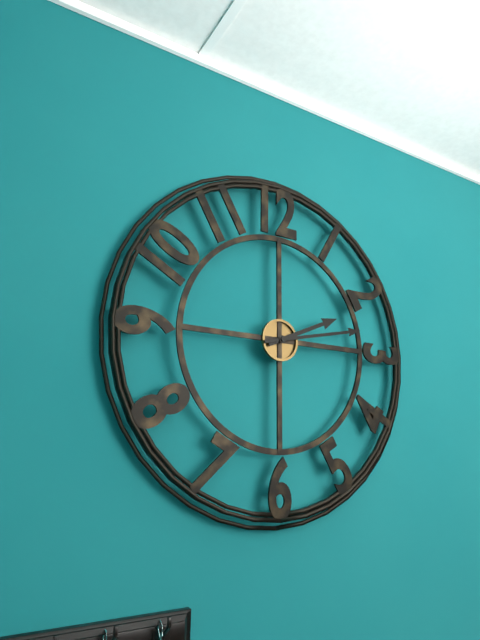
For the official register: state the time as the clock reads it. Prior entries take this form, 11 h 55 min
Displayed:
2 h 13 min
